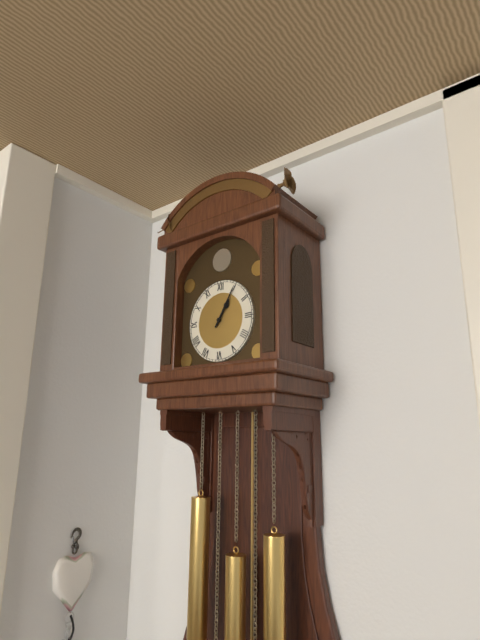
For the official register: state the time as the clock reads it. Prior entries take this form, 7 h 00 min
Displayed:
1 h 05 min
